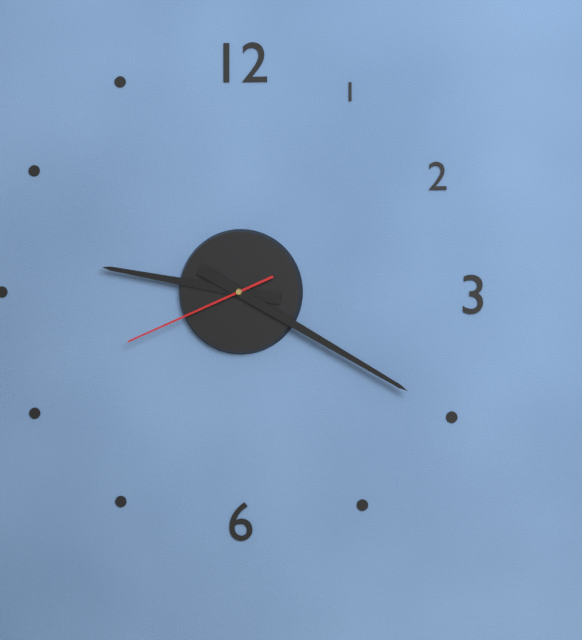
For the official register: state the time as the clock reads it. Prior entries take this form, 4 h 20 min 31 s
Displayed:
9 h 20 min 41 s
